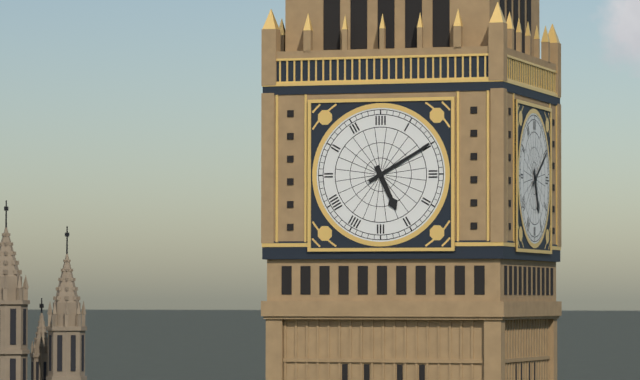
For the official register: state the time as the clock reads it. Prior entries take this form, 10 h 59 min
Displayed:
5 h 10 min
